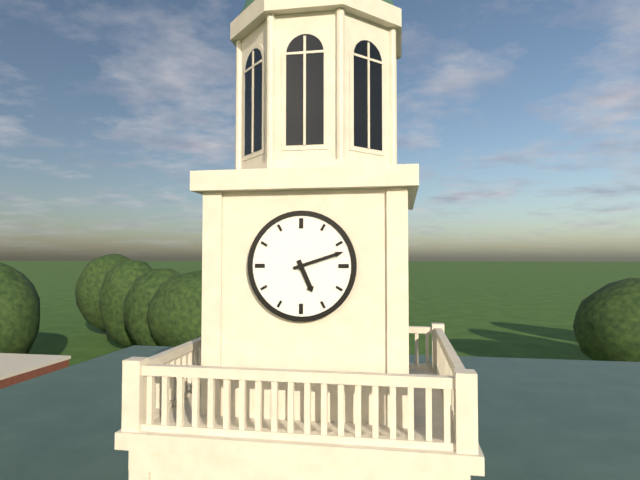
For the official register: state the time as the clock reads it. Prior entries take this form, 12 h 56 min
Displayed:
5 h 12 min
